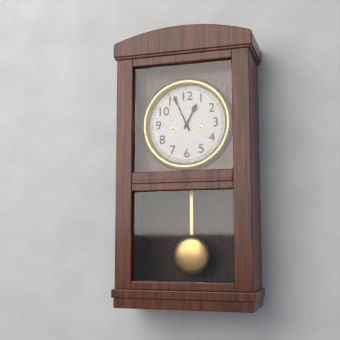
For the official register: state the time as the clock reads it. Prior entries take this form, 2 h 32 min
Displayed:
12 h 56 min
